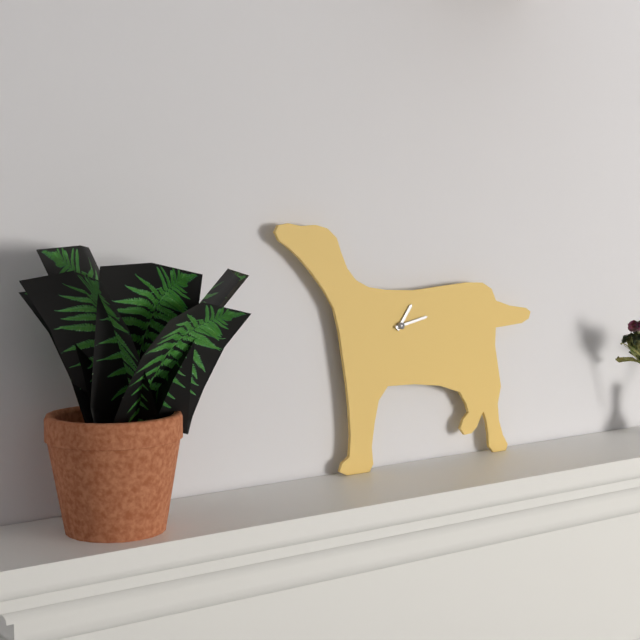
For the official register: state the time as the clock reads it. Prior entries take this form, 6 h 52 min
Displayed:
1 h 13 min
